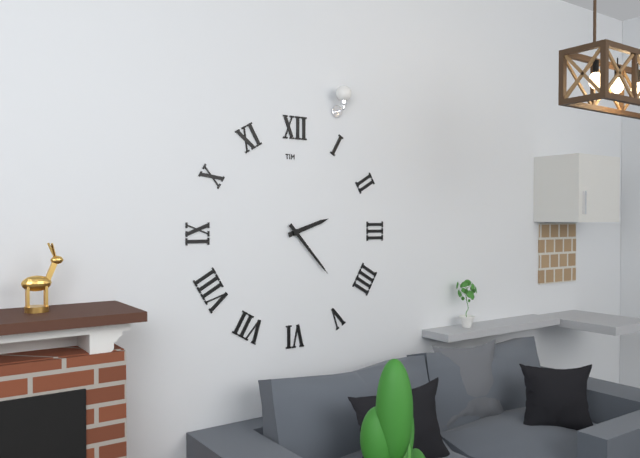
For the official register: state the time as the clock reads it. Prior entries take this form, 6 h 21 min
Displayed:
2 h 23 min
